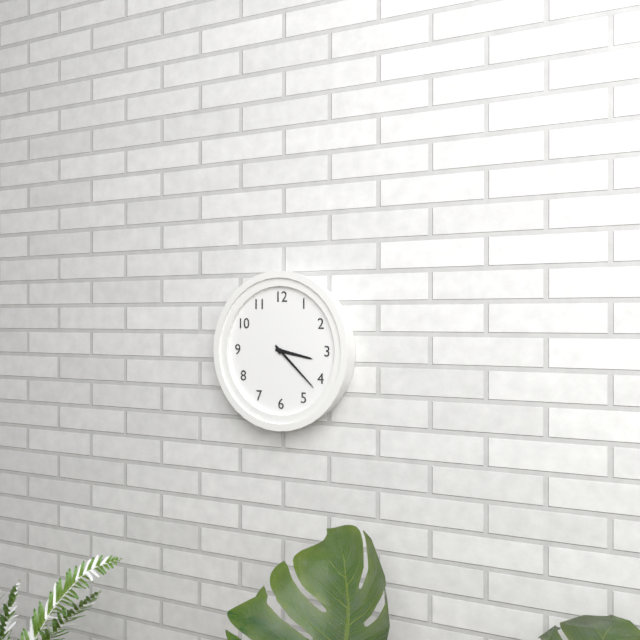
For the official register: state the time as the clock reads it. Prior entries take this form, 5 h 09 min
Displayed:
3 h 22 min
